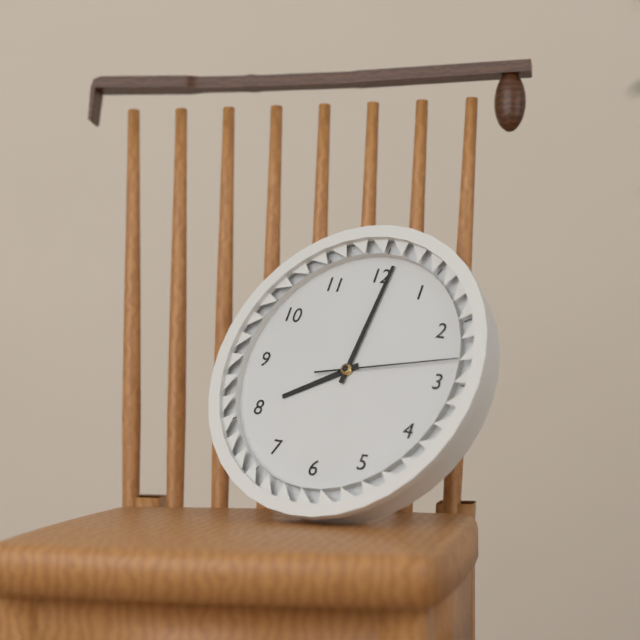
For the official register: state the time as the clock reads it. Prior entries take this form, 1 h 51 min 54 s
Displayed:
8 h 01 min 13 s
